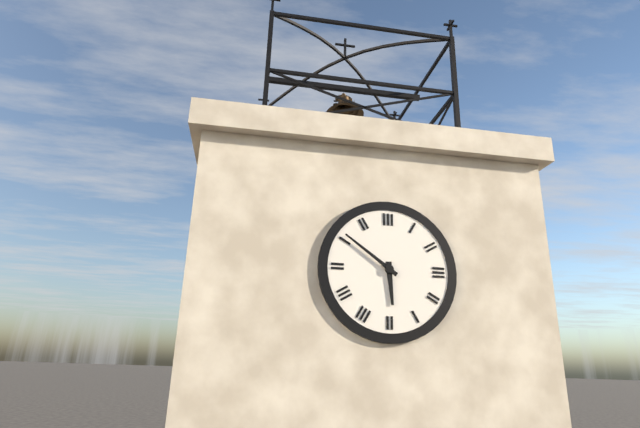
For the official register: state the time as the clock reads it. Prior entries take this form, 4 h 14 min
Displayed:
5 h 51 min
